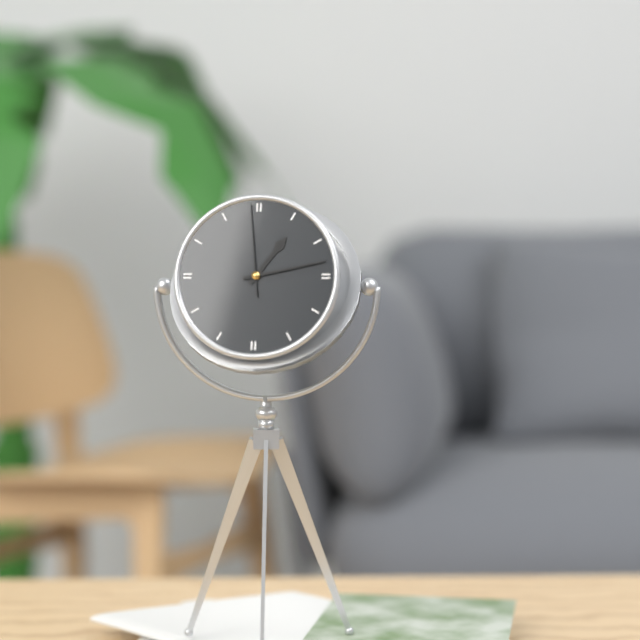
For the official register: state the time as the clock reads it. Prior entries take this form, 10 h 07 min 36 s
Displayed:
1 h 13 min 59 s
